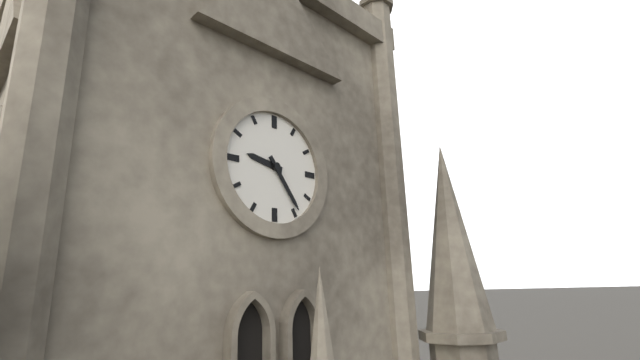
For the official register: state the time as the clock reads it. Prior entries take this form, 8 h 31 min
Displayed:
9 h 24 min
